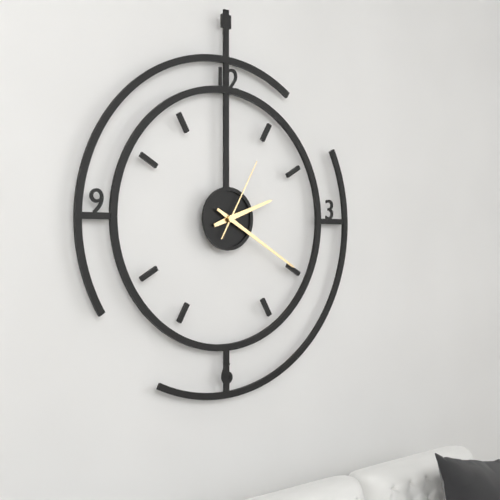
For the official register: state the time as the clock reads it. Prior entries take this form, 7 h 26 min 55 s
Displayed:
2 h 20 min 05 s
